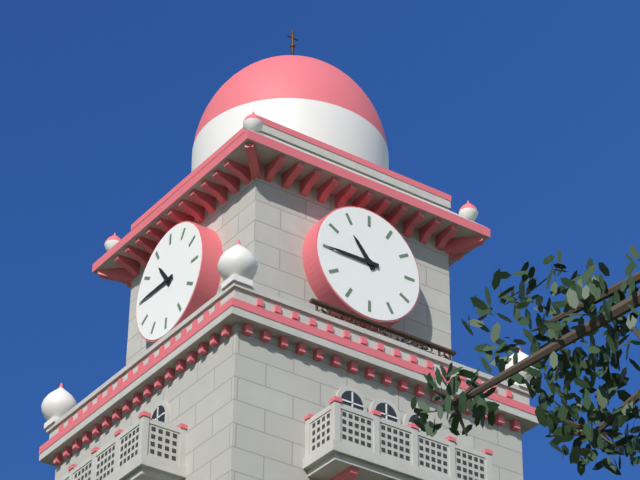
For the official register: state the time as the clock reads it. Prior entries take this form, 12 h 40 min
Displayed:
10 h 45 min
